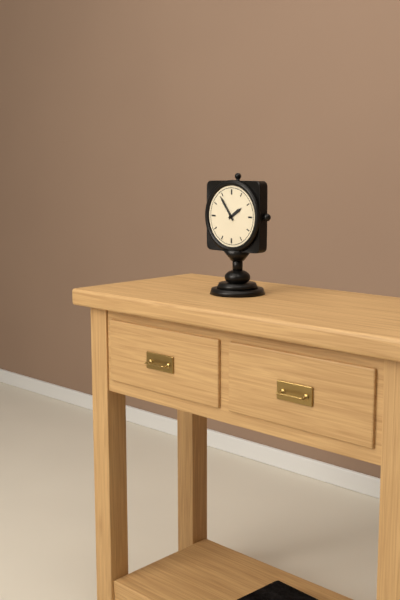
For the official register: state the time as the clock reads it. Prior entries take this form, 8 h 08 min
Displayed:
1 h 54 min
